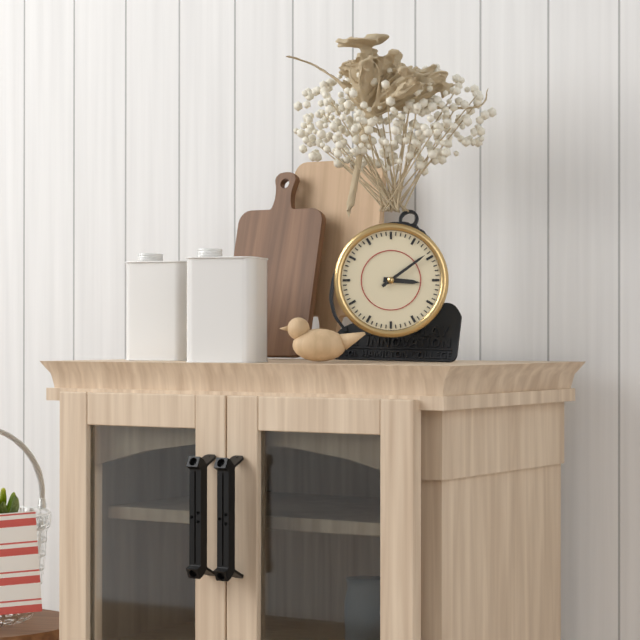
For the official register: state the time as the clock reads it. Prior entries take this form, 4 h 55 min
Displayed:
3 h 09 min
